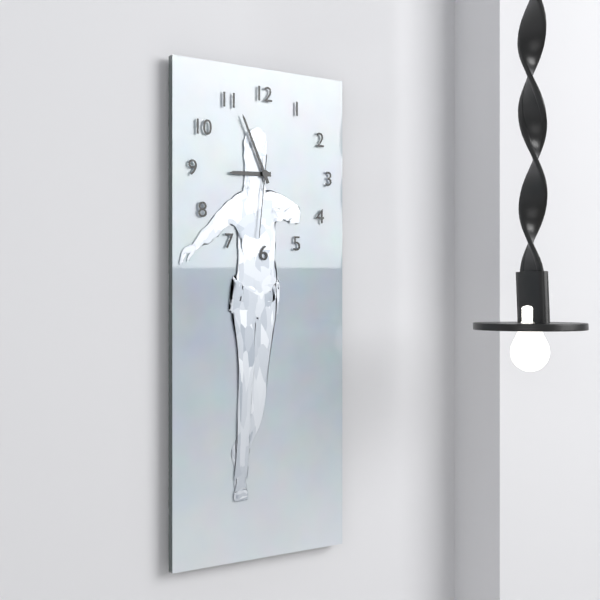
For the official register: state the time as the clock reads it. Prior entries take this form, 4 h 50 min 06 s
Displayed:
8 h 56 min 31 s
